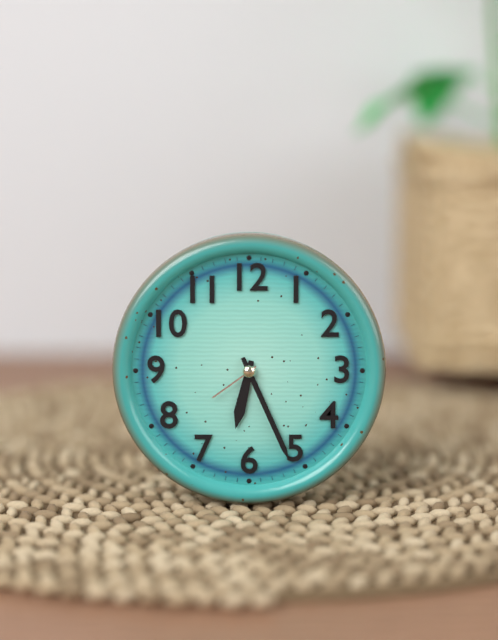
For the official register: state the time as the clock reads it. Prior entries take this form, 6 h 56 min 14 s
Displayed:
6 h 26 min 39 s
